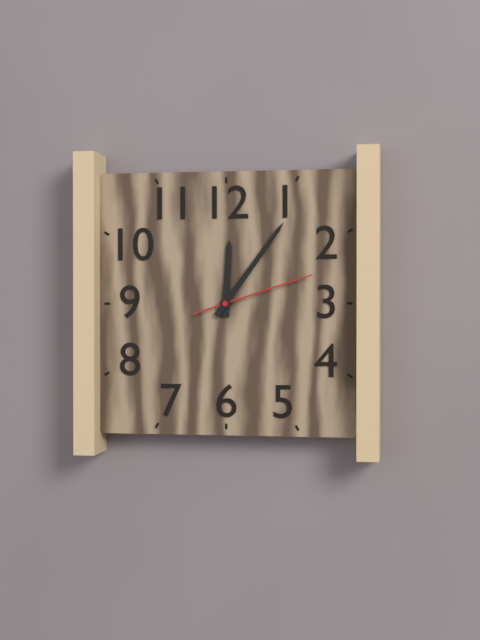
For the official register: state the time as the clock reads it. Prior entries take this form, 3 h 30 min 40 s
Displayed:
12 h 06 min 12 s
